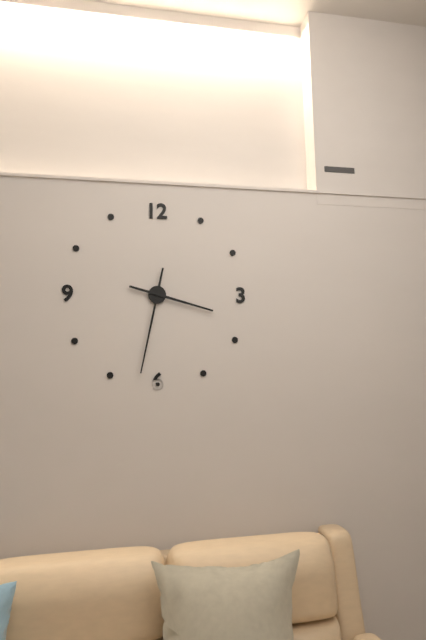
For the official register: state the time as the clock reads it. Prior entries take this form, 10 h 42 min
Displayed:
3 h 32 min
